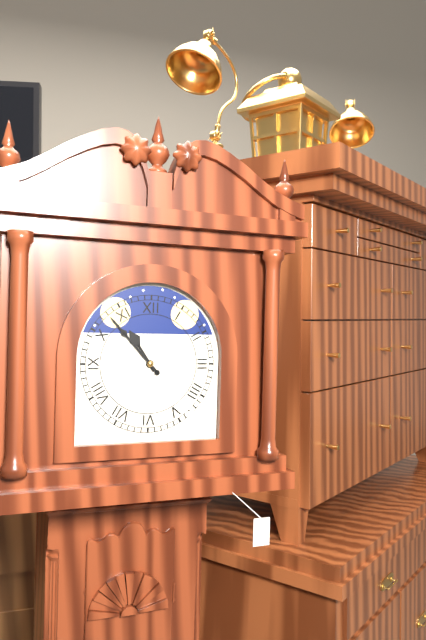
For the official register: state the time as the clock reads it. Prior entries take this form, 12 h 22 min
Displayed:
10 h 53 min
